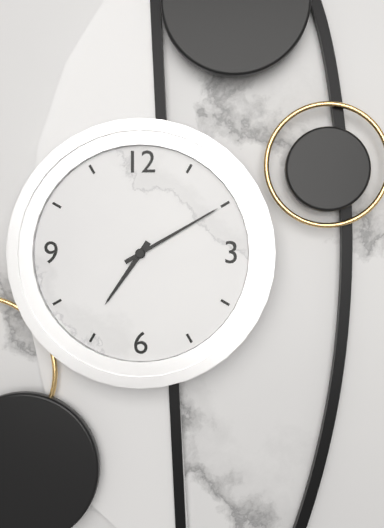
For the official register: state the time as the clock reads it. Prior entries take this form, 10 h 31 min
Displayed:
7 h 10 min
